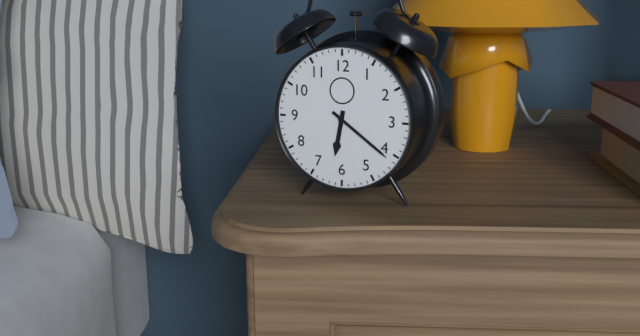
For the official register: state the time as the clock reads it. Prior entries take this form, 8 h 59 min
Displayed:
6 h 21 min
